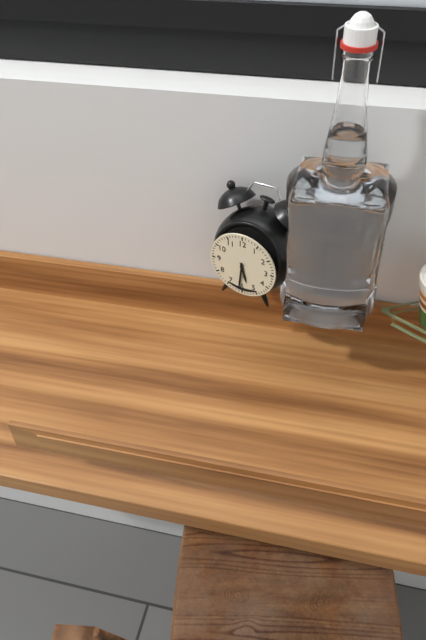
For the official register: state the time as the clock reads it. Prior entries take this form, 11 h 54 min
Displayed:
5 h 31 min
